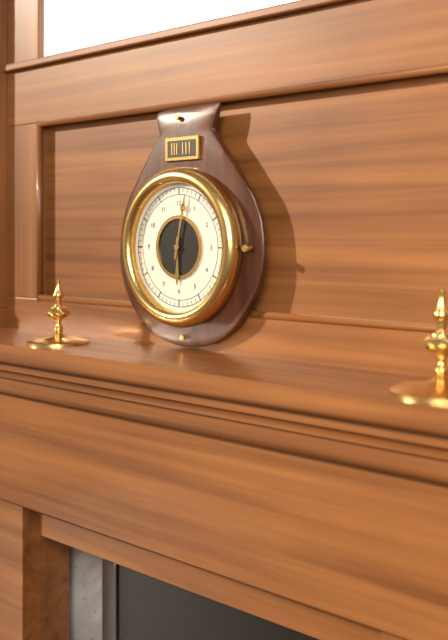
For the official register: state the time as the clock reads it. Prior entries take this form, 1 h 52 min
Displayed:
6 h 02 min
